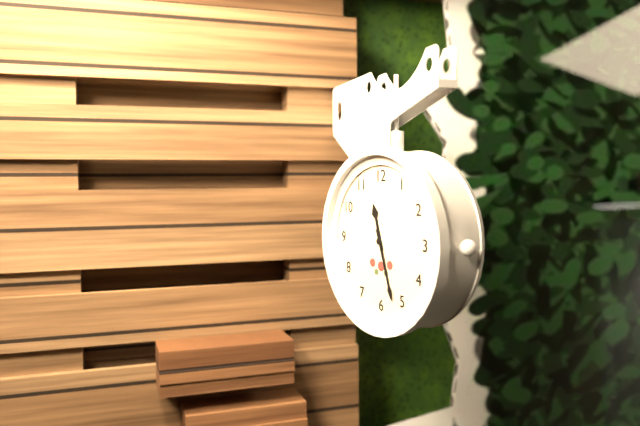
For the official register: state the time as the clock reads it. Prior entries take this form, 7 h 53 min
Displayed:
11 h 27 min
